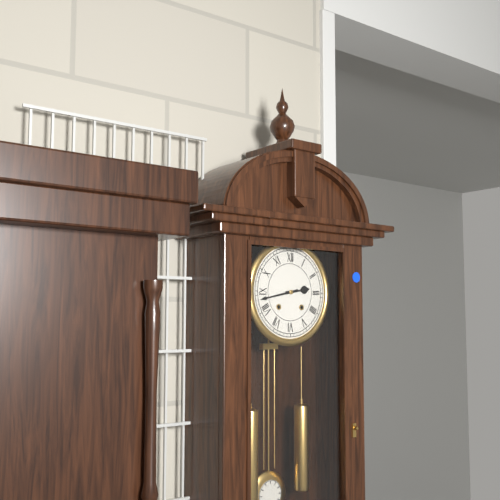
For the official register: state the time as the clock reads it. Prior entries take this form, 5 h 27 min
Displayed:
2 h 43 min
